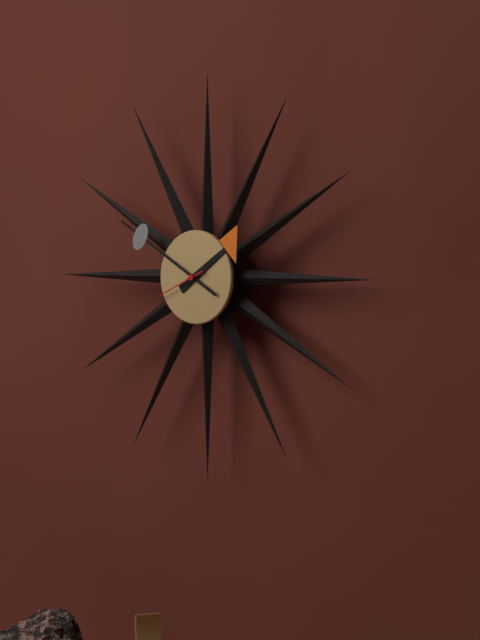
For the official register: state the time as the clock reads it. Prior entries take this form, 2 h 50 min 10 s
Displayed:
1 h 50 min 41 s
